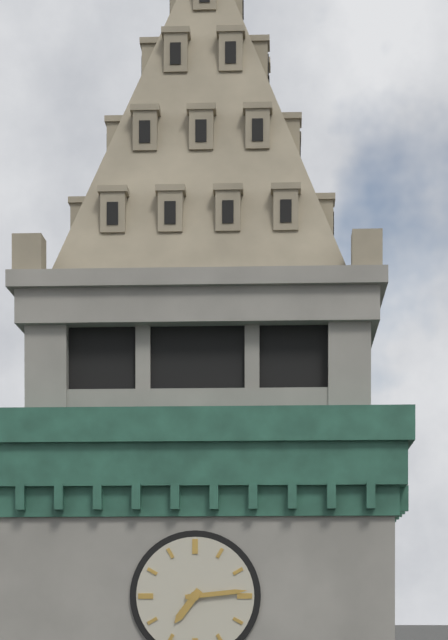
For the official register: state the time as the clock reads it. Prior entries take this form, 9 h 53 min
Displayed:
7 h 14 min
